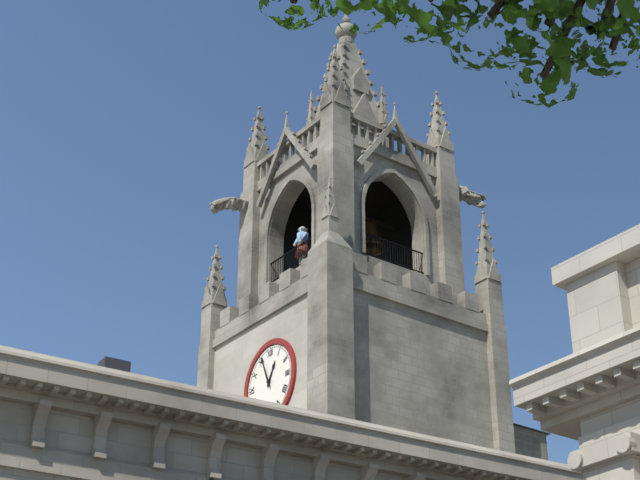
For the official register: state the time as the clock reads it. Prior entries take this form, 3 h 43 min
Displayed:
12 h 56 min
